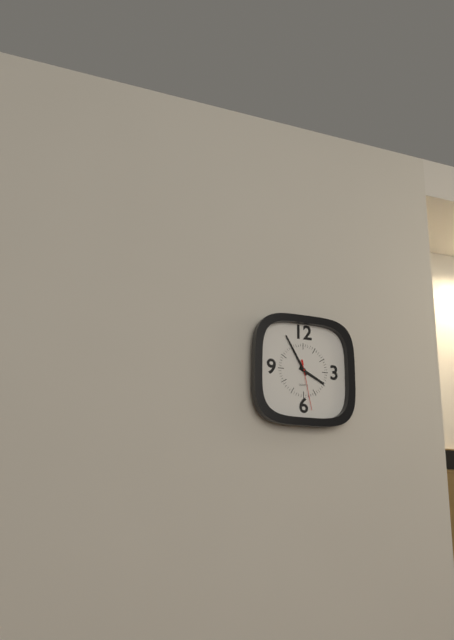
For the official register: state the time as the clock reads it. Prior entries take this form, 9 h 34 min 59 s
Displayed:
3 h 55 min 28 s
